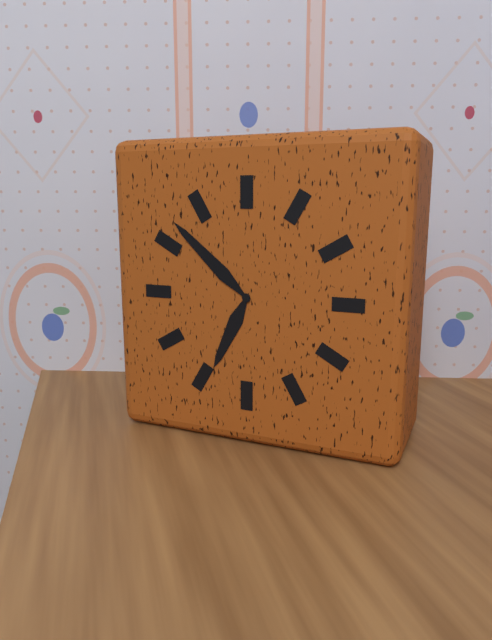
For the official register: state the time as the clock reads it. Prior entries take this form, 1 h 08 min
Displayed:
6 h 52 min
